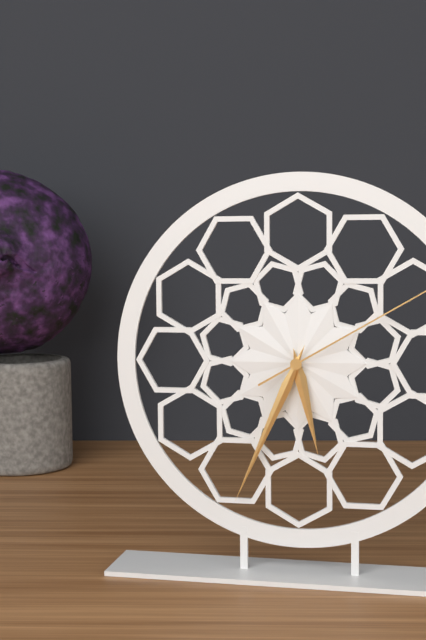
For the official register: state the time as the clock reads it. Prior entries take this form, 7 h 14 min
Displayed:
5 h 34 min
